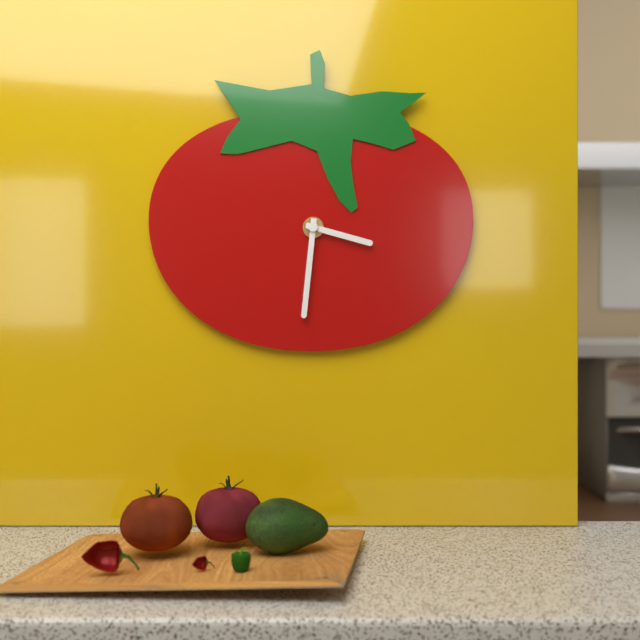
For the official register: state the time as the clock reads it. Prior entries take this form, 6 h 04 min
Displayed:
3 h 31 min
